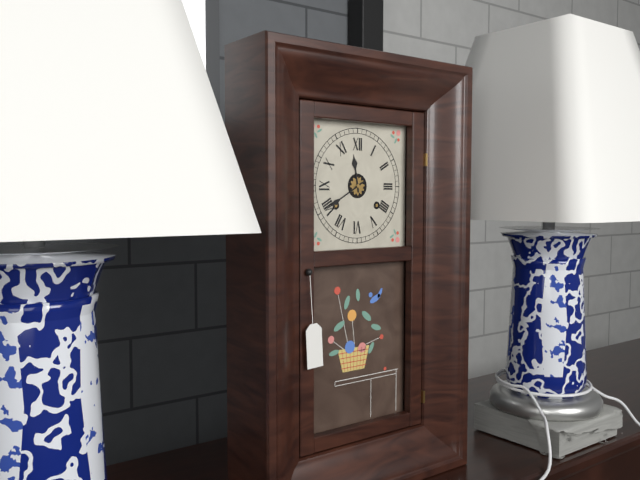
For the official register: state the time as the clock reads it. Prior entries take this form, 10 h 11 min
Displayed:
11 h 40 min
